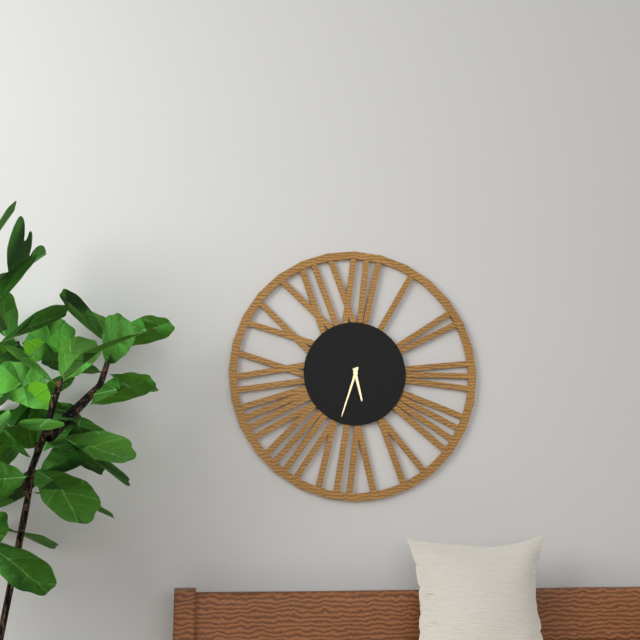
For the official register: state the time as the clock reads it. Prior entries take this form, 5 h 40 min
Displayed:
5 h 33 min
